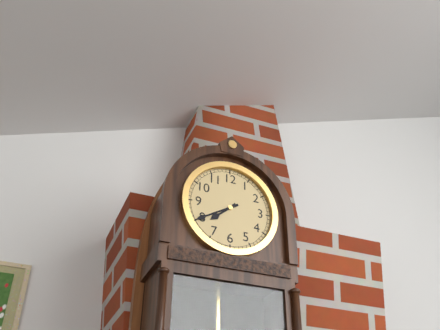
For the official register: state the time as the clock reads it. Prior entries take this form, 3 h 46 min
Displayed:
7 h 40 min
